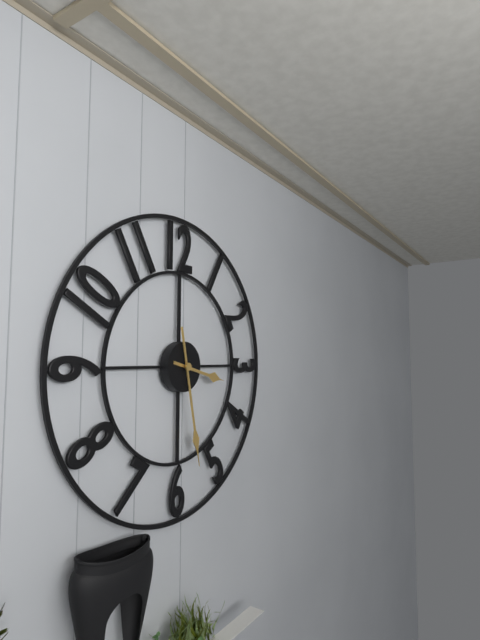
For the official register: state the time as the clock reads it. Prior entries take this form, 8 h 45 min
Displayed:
3 h 28 min
